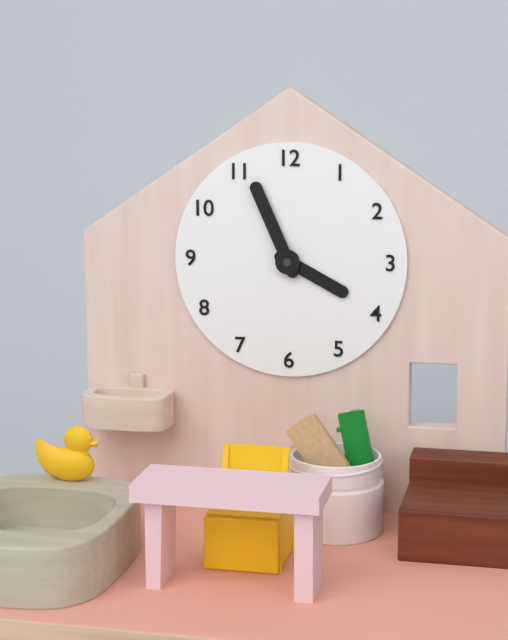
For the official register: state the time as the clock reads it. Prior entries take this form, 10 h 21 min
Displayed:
3 h 56 min
